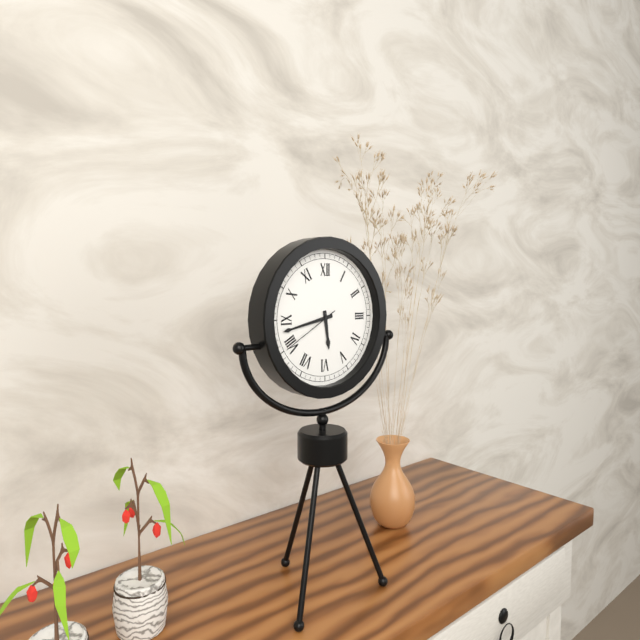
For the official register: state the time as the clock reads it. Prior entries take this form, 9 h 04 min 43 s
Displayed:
5 h 43 min 40 s
